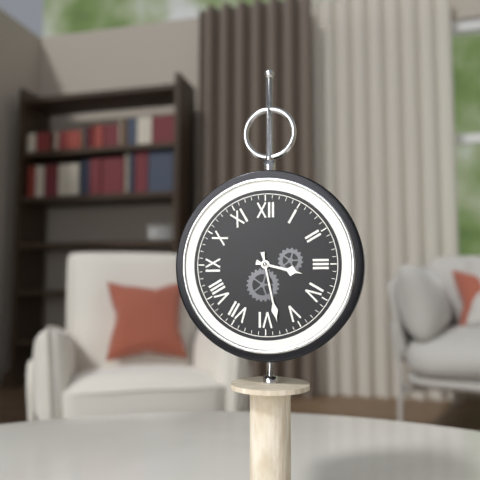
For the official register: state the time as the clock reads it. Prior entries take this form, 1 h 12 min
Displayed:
3 h 28 min
